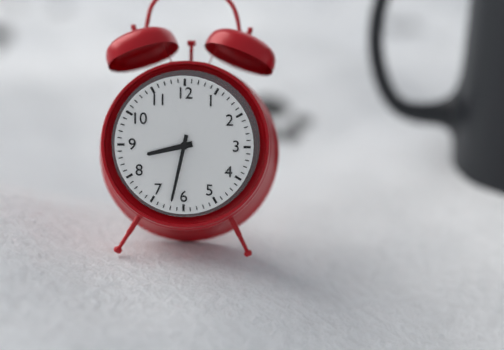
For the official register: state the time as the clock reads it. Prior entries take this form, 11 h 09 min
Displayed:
8 h 32 min
